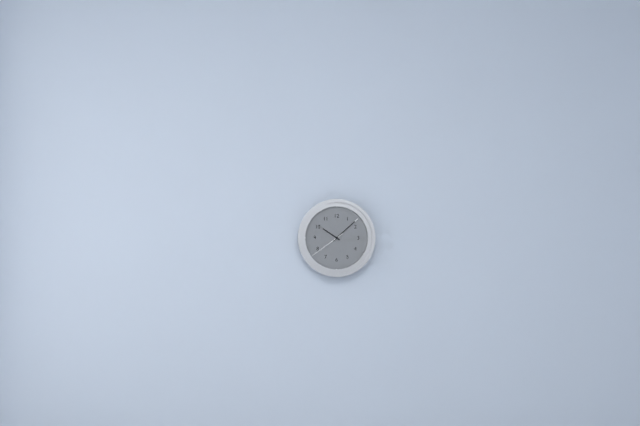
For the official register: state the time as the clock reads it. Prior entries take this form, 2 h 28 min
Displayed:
10 h 08 min
